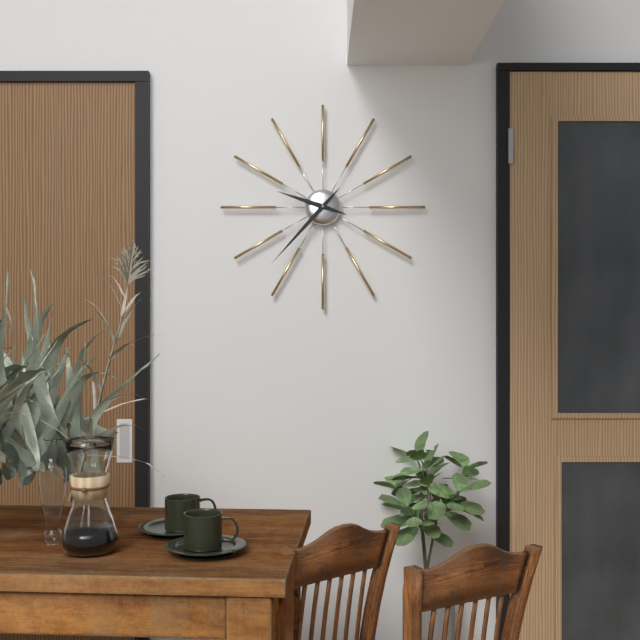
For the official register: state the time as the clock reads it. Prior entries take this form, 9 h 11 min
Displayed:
9 h 37 min
